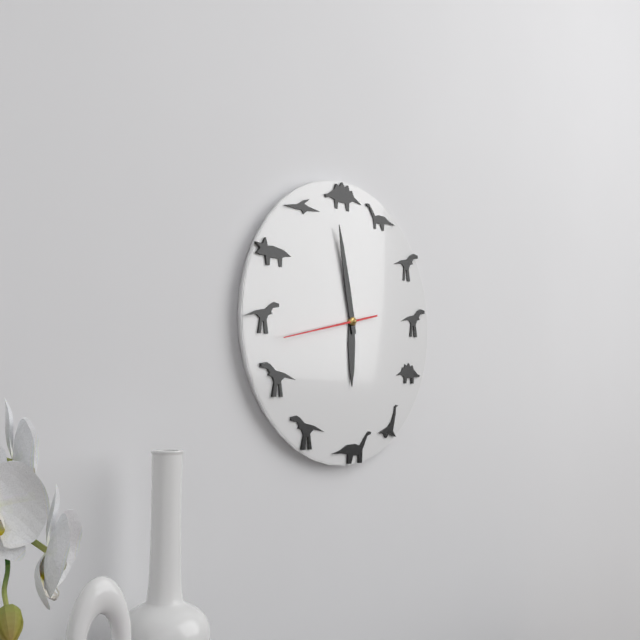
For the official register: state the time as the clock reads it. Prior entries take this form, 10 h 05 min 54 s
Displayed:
5 h 58 min 43 s
